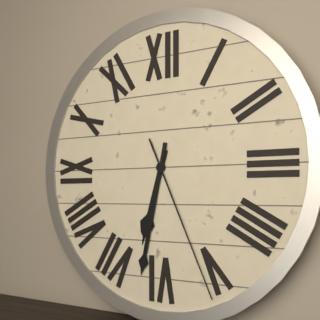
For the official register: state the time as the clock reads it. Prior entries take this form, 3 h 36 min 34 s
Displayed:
6 h 32 min 26 s
